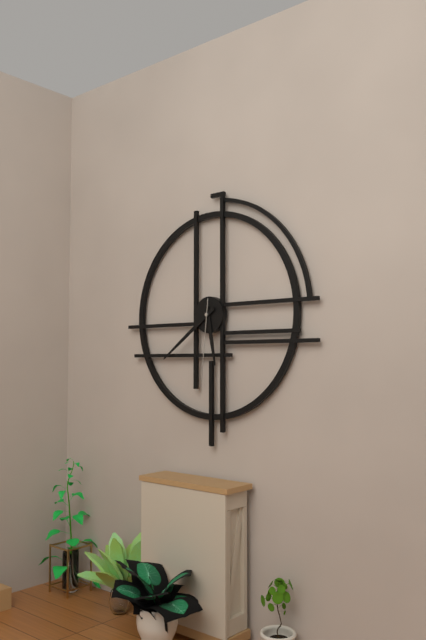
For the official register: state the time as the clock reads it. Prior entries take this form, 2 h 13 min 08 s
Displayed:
5 h 39 min 31 s
